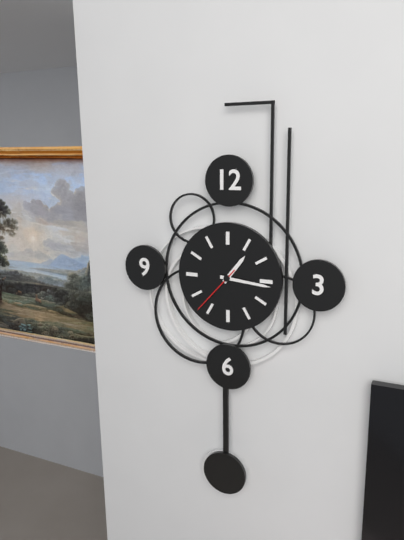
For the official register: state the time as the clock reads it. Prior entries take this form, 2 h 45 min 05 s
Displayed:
1 h 16 min 37 s
